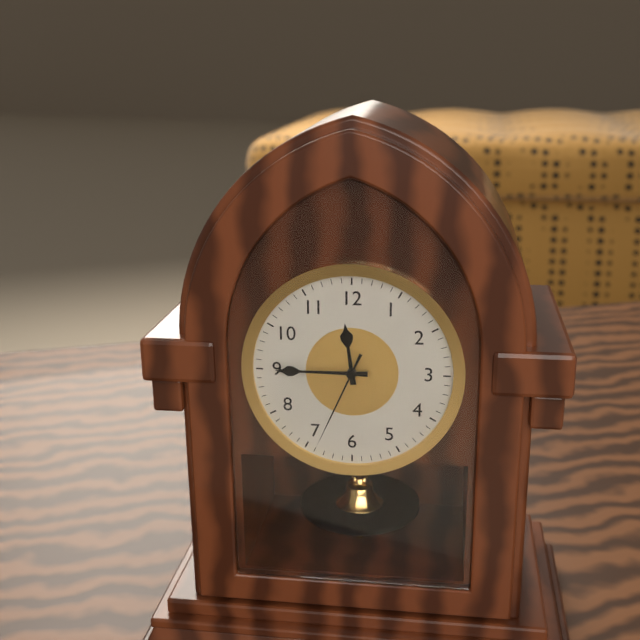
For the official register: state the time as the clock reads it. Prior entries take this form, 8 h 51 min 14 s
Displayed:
11 h 45 min 34 s
